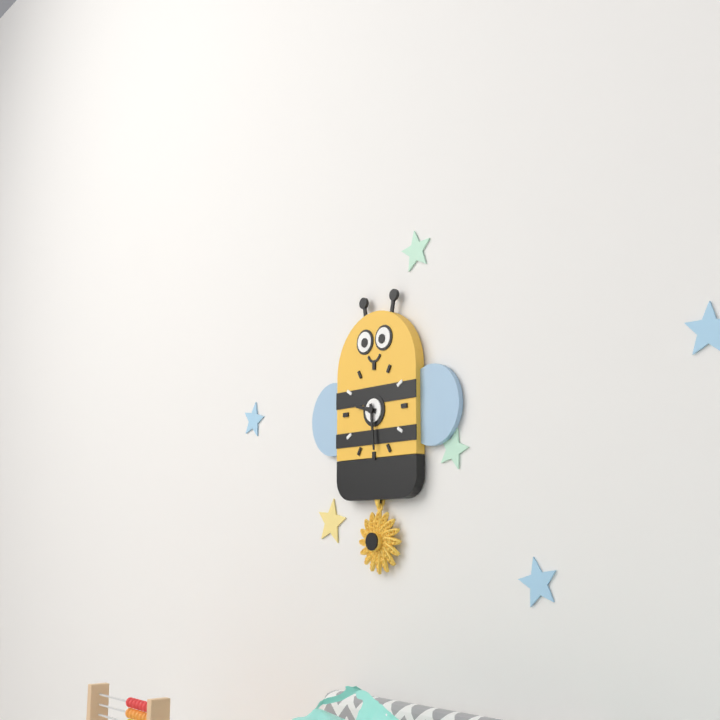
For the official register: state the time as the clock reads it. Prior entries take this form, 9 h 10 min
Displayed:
9 h 29 min
